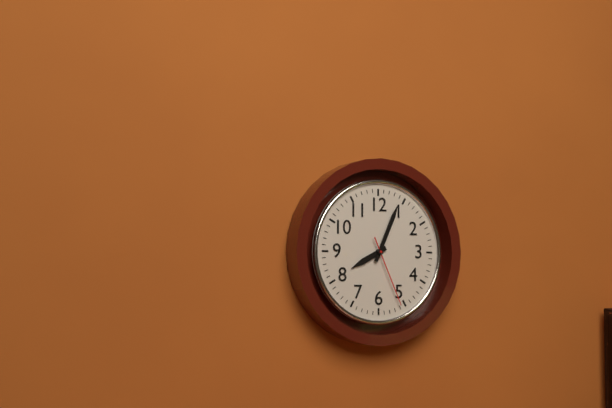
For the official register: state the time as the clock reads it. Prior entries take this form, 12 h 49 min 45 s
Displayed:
8 h 04 min 26 s
